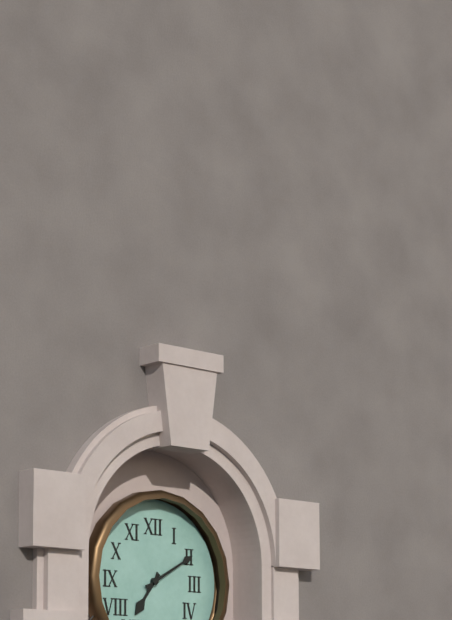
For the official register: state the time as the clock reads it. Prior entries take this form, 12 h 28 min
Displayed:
7 h 10 min
